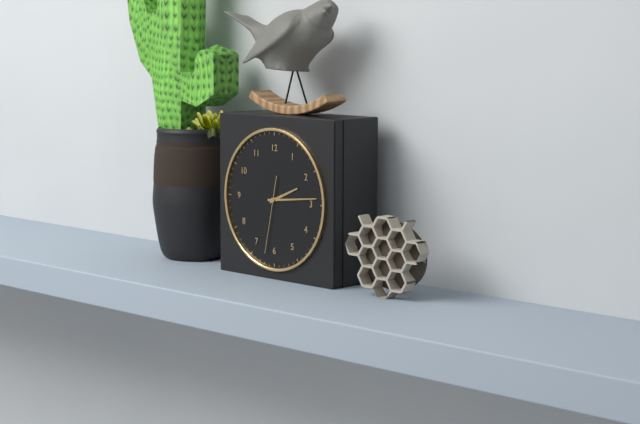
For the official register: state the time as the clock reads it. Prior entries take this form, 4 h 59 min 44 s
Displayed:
2 h 14 min 32 s
